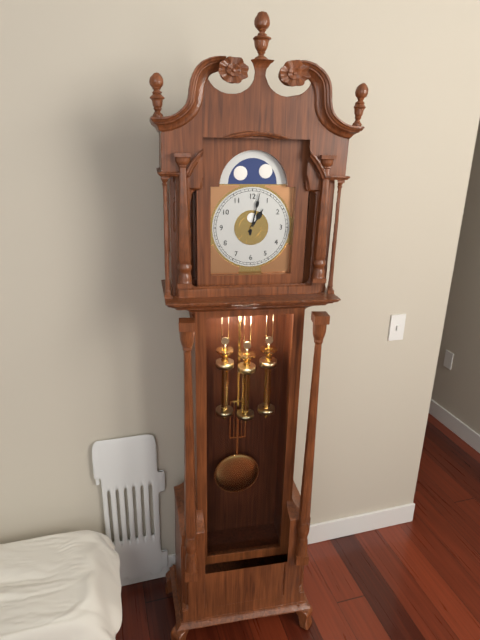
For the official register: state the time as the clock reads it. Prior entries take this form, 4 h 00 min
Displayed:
1 h 02 min
